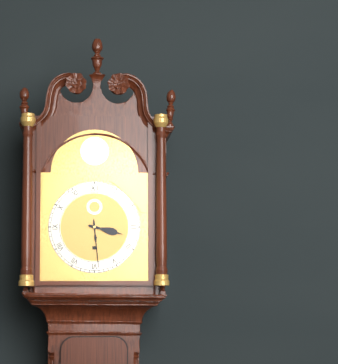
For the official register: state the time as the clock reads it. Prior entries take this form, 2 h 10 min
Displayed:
3 h 29 min
